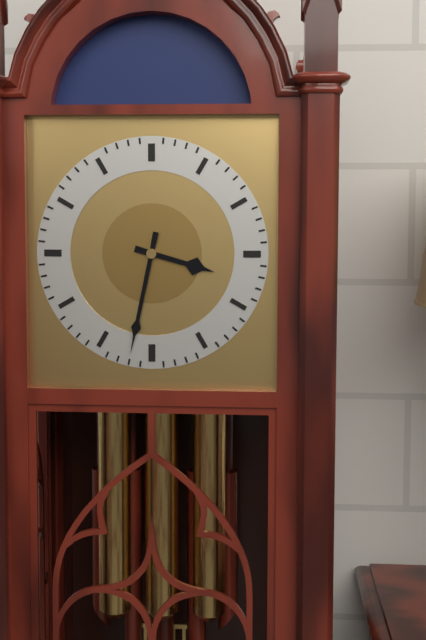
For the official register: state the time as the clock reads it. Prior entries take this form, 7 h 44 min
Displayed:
3 h 32 min
